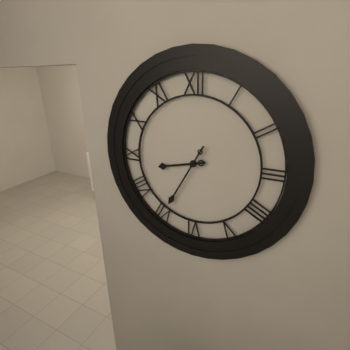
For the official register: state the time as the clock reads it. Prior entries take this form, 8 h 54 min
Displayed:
8 h 35 min
